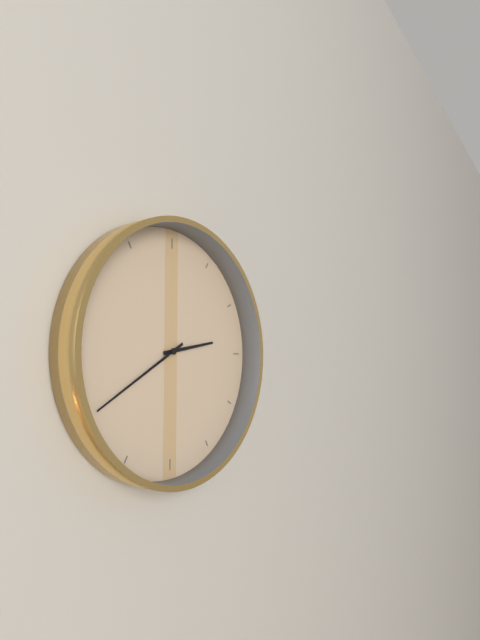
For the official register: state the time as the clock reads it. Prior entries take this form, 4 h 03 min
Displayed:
2 h 40 min
